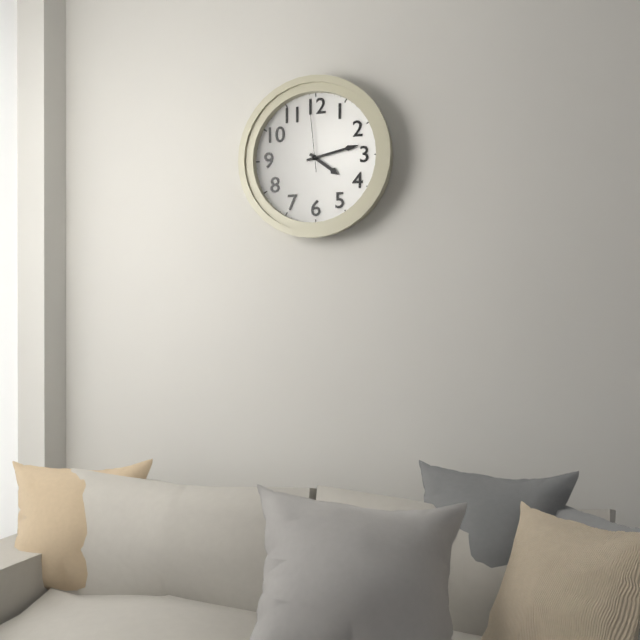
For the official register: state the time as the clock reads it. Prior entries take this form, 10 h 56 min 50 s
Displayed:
4 h 13 min 59 s
